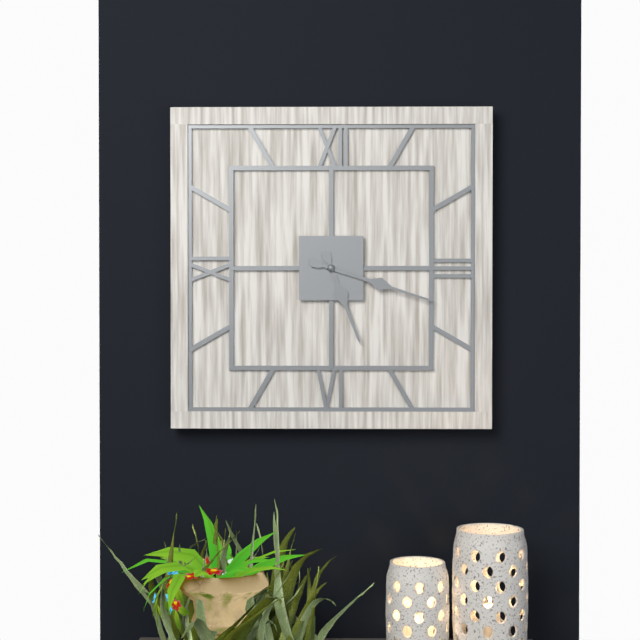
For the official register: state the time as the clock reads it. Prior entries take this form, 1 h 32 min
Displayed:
5 h 18 min
